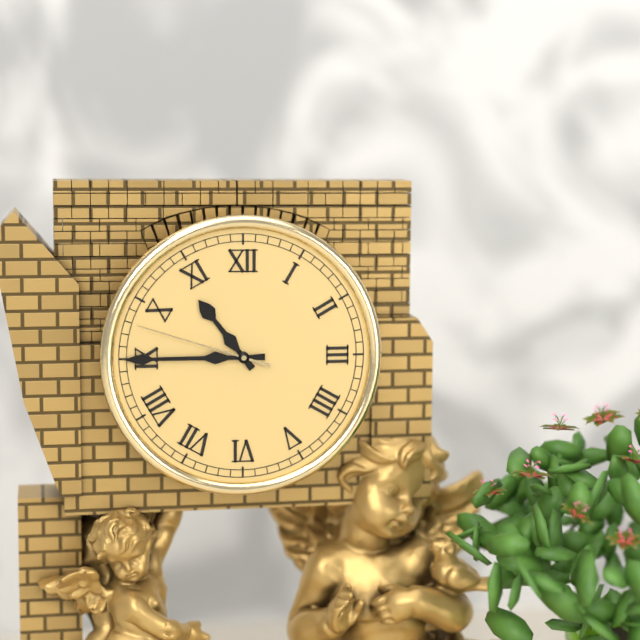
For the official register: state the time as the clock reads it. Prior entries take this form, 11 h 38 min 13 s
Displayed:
10 h 45 min 48 s
